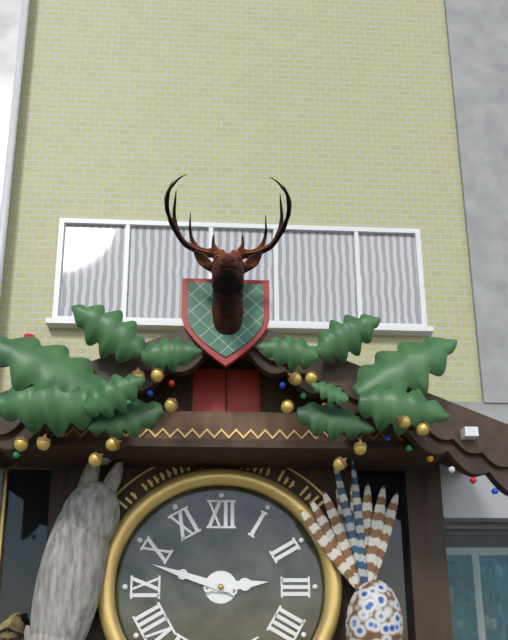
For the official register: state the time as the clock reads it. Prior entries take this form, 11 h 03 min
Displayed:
2 h 48 min
